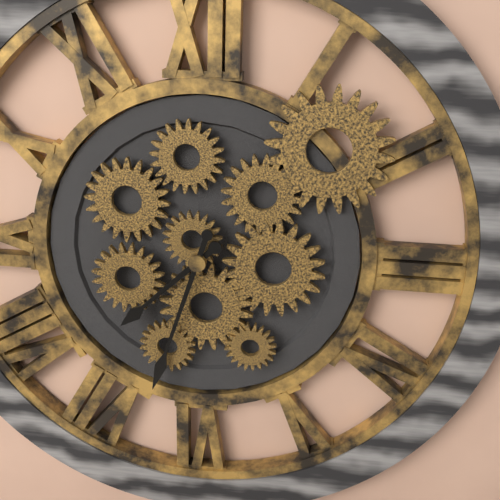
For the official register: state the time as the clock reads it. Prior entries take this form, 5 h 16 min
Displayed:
7 h 33 min
